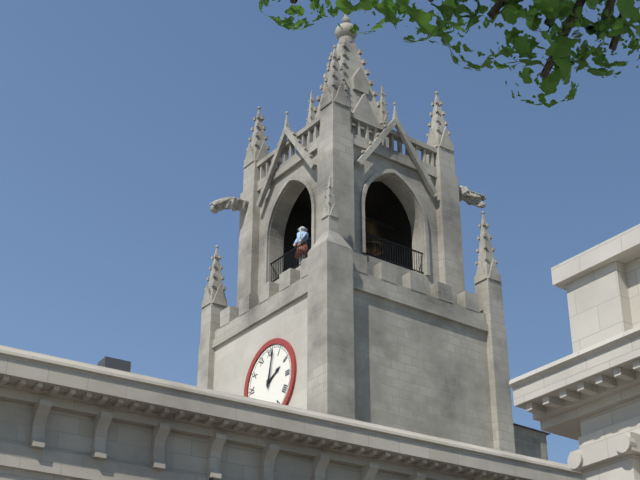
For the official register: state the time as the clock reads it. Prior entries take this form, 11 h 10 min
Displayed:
2 h 02 min
